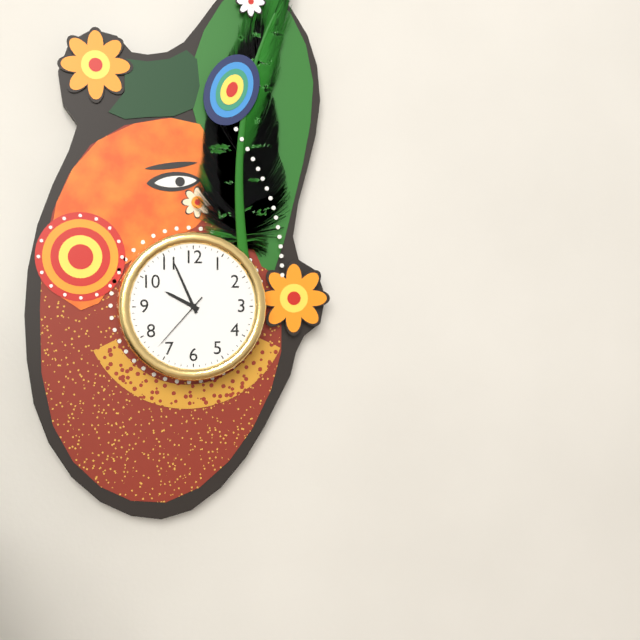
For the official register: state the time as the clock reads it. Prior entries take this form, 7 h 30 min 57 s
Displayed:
9 h 56 min 37 s
